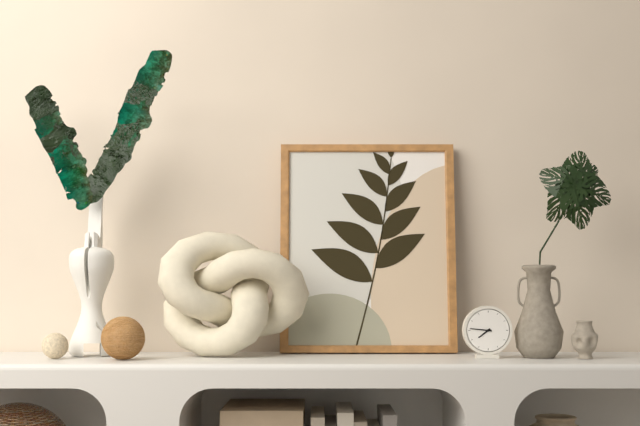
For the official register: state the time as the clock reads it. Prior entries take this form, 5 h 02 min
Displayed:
7 h 46 min
